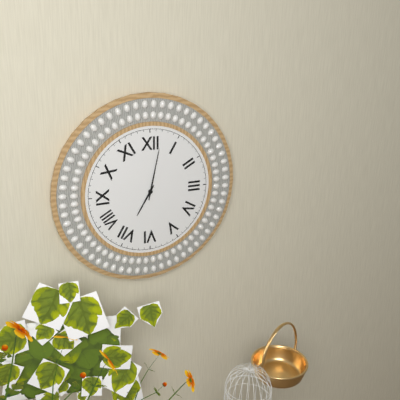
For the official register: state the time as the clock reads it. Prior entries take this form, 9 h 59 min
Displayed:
7 h 02 min
